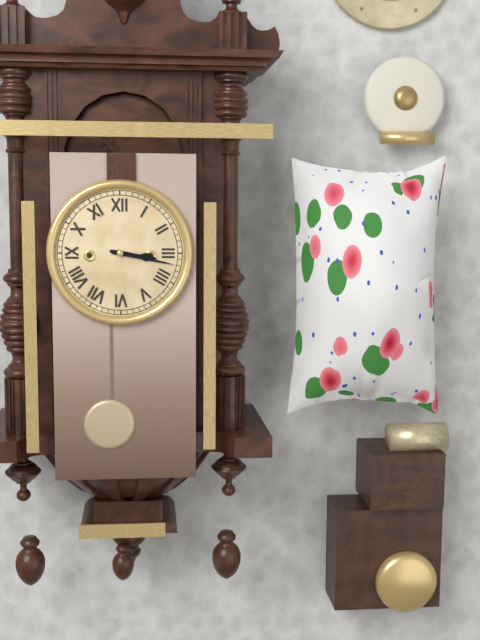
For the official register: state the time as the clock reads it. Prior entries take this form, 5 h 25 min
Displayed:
3 h 17 min
